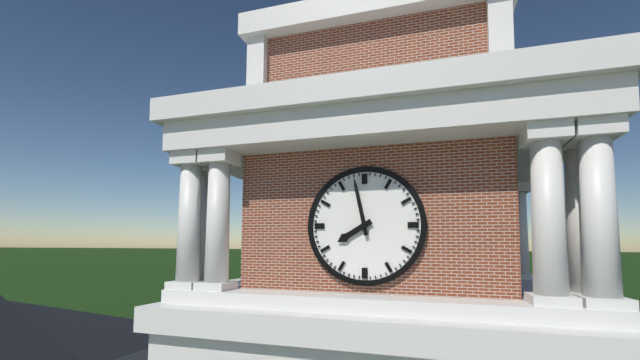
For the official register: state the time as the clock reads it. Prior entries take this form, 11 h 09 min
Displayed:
7 h 58 min
